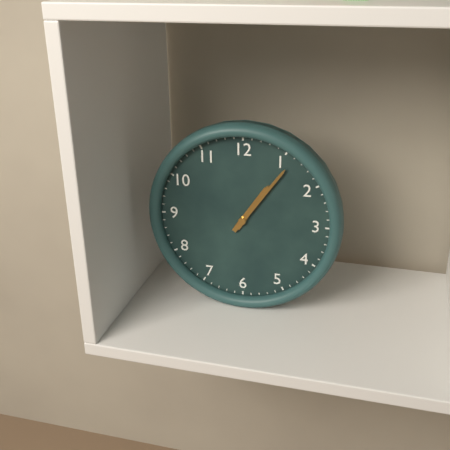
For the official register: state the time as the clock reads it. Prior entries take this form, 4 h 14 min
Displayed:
1 h 06 min
